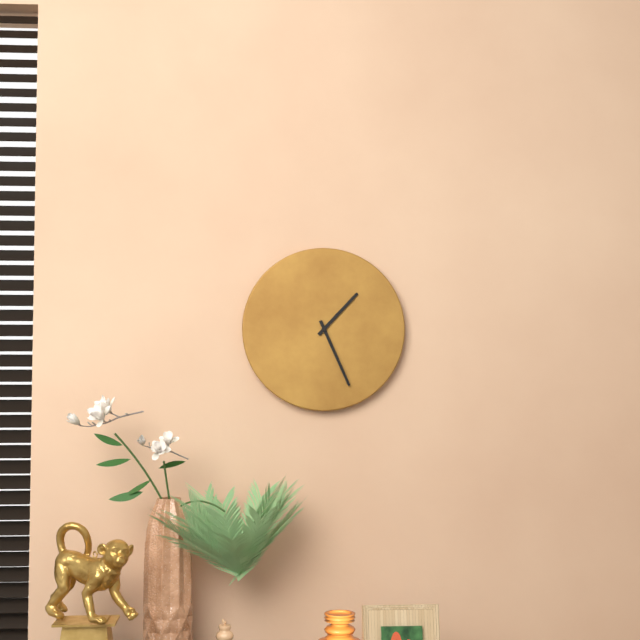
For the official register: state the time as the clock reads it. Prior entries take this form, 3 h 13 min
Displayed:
1 h 26 min
